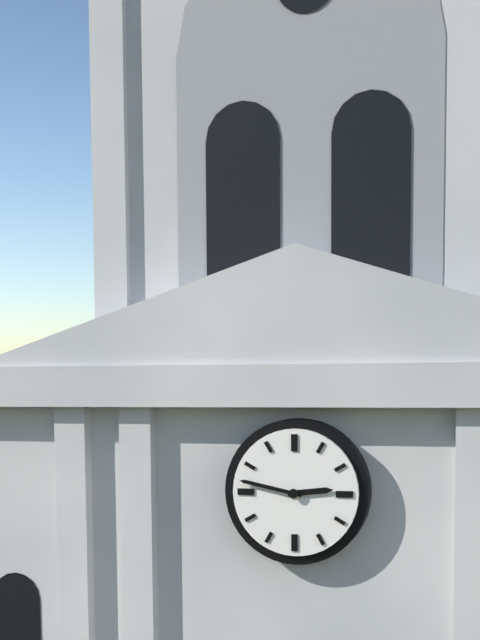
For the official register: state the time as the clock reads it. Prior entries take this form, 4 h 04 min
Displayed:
2 h 47 min
